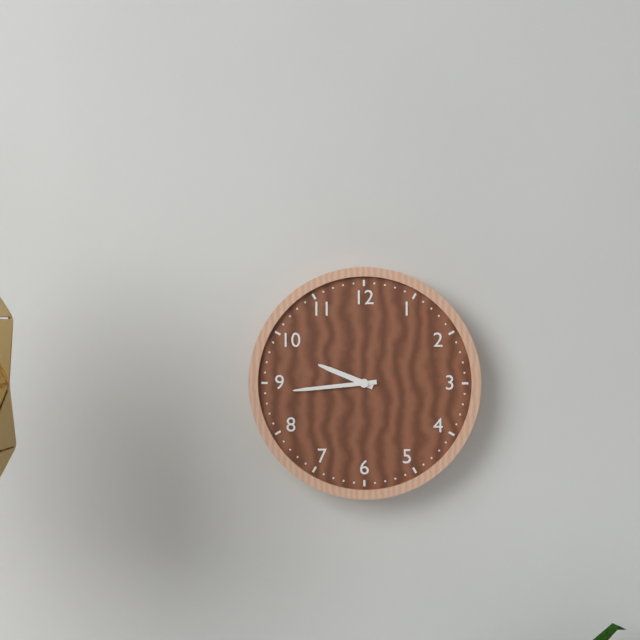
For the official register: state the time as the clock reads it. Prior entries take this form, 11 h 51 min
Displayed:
9 h 44 min
